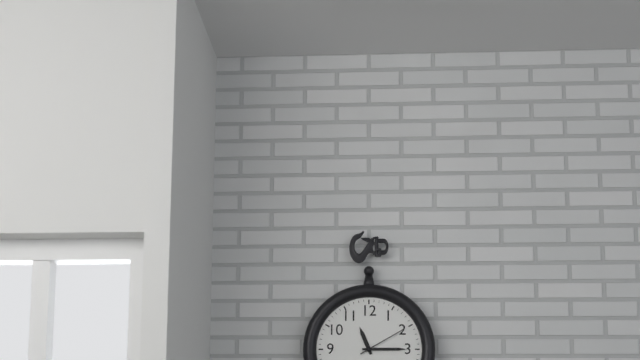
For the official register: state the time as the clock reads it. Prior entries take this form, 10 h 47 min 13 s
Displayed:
11 h 15 min 10 s
